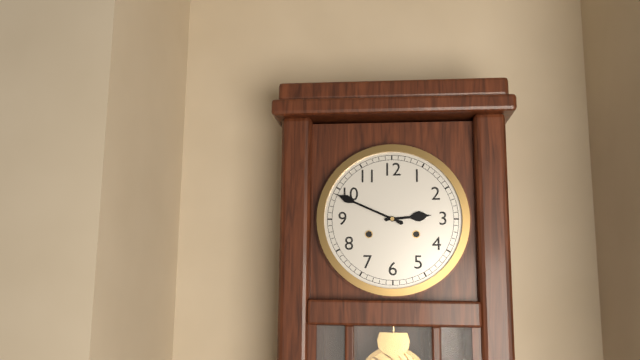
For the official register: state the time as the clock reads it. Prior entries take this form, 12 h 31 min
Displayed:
2 h 49 min
